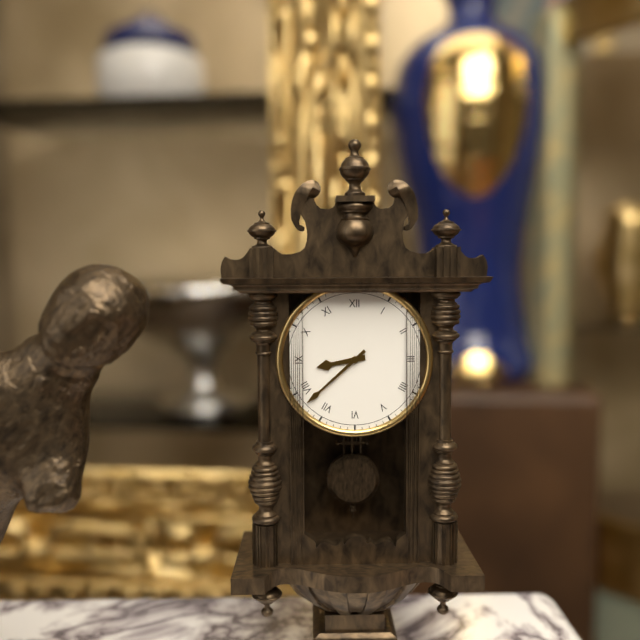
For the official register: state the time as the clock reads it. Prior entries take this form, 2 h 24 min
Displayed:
8 h 38 min
